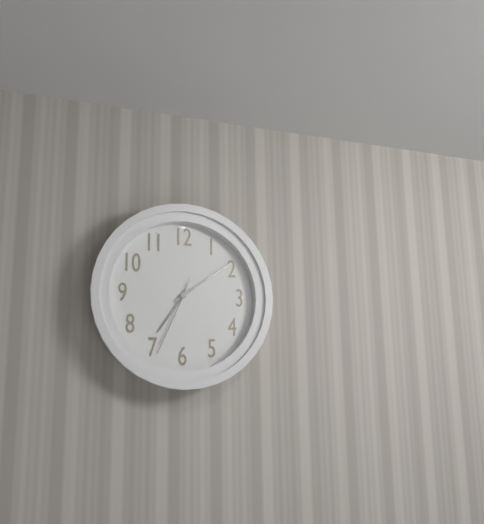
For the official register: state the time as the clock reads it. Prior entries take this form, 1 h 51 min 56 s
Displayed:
7 h 09 min 34 s
